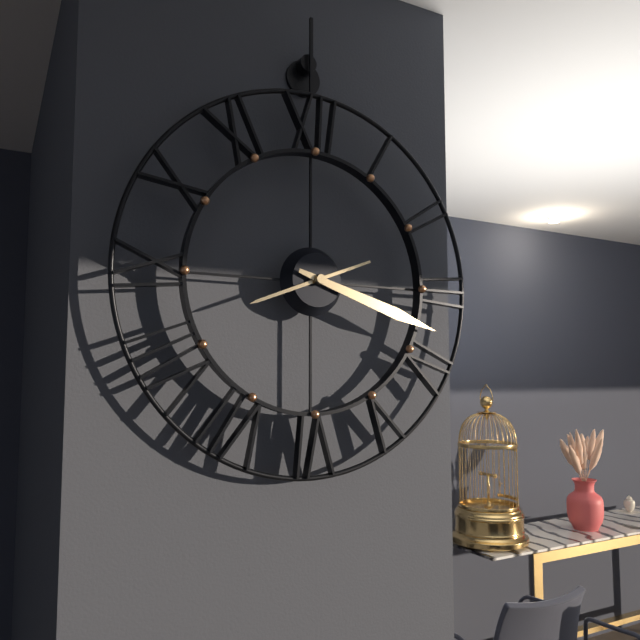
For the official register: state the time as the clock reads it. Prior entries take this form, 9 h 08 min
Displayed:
8 h 18 min
